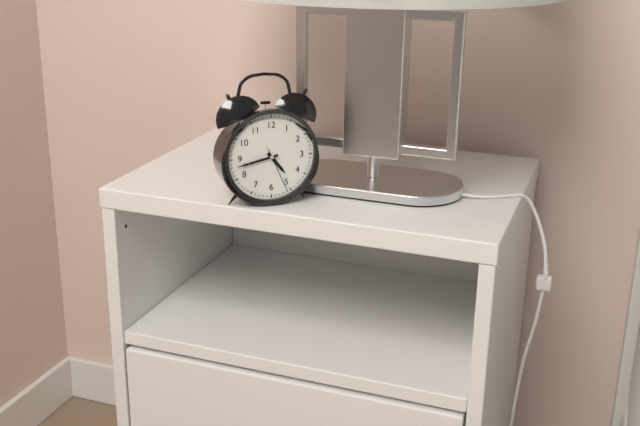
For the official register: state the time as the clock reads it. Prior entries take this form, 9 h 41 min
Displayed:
4 h 43 min
